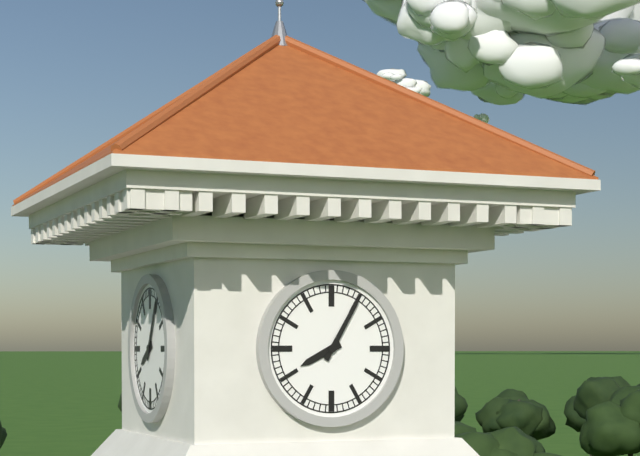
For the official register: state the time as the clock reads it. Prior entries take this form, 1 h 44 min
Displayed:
8 h 05 min
